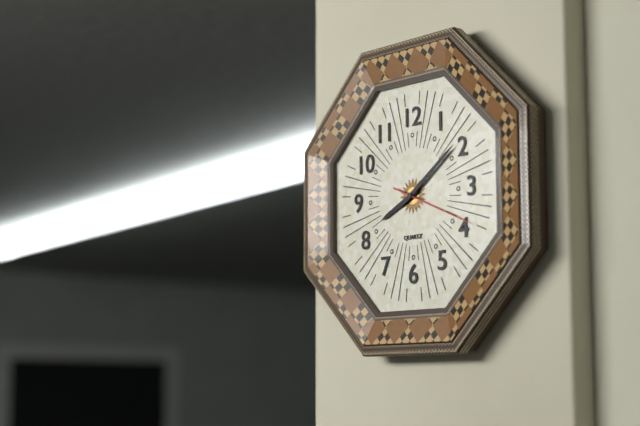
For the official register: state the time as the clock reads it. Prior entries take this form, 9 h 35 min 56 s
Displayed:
8 h 09 min 19 s
